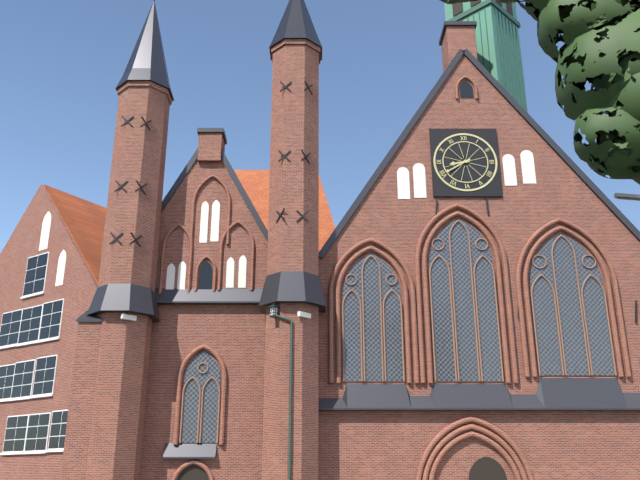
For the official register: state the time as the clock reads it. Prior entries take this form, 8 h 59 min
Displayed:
8 h 40 min
